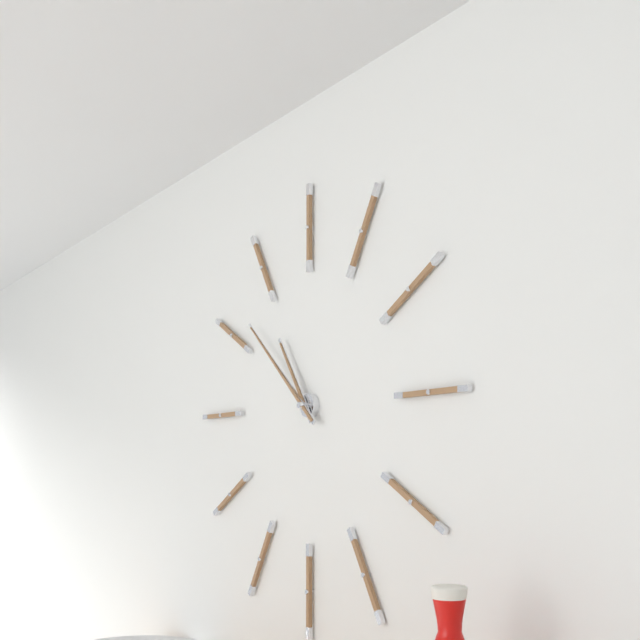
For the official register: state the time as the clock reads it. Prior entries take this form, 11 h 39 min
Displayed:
10 h 52 min
